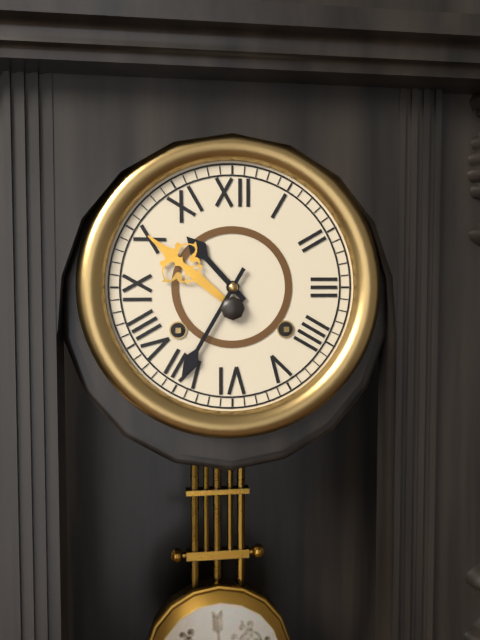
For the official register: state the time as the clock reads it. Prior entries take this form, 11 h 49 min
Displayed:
10 h 35 min
